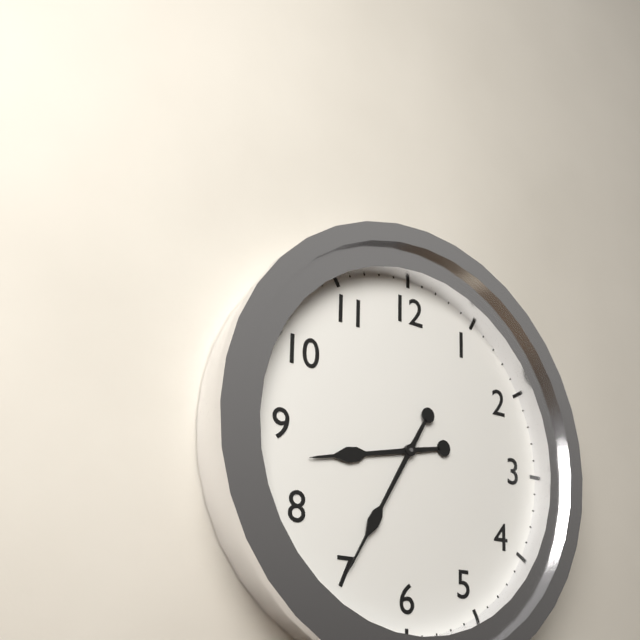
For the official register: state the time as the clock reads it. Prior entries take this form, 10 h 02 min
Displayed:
8 h 35 min
